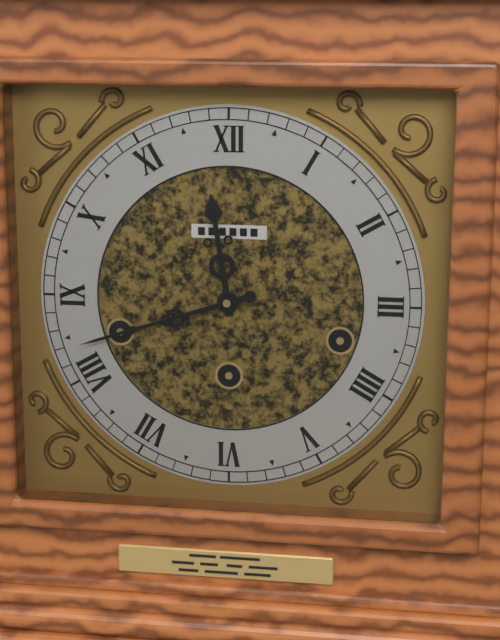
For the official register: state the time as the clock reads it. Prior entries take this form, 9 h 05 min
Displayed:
11 h 42 min
